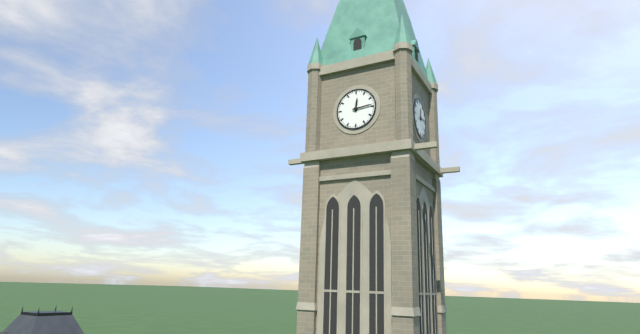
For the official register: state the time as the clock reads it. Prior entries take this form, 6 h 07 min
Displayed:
12 h 14 min
